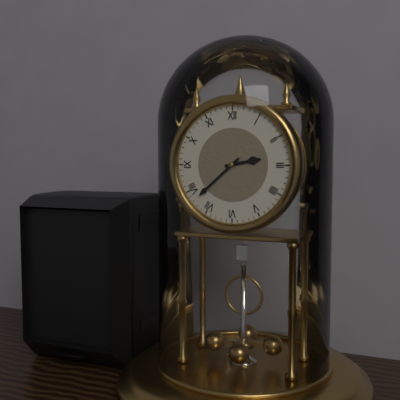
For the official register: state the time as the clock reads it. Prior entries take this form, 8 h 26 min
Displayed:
2 h 38 min
